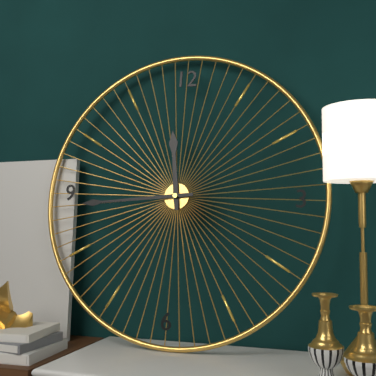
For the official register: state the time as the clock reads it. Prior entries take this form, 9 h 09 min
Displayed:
11 h 44 min
